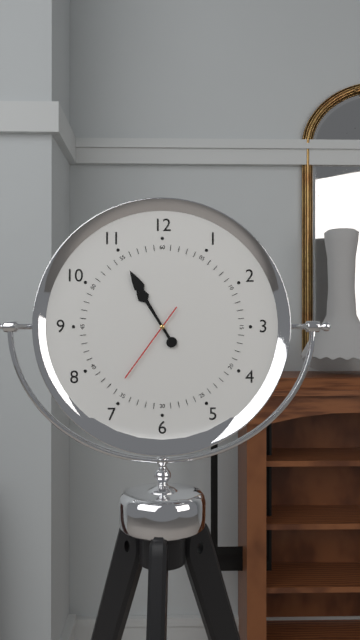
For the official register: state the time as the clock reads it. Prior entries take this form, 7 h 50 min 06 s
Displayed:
10 h 55 min 36 s
